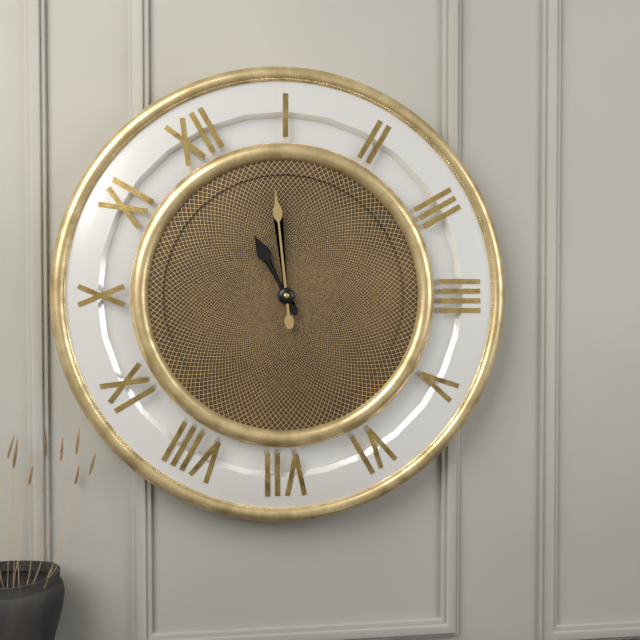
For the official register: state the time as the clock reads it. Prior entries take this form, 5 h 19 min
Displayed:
12 h 04 min
